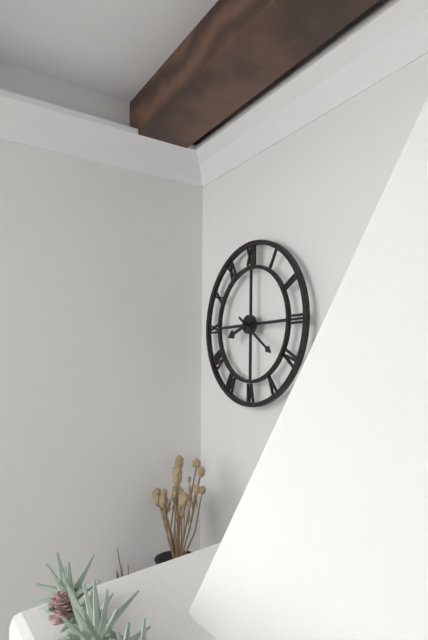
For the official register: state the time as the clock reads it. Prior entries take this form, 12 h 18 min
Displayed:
8 h 21 min
